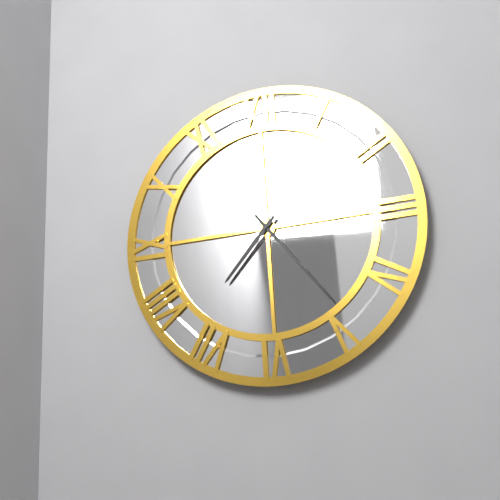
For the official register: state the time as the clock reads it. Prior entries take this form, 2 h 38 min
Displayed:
7 h 24 min
